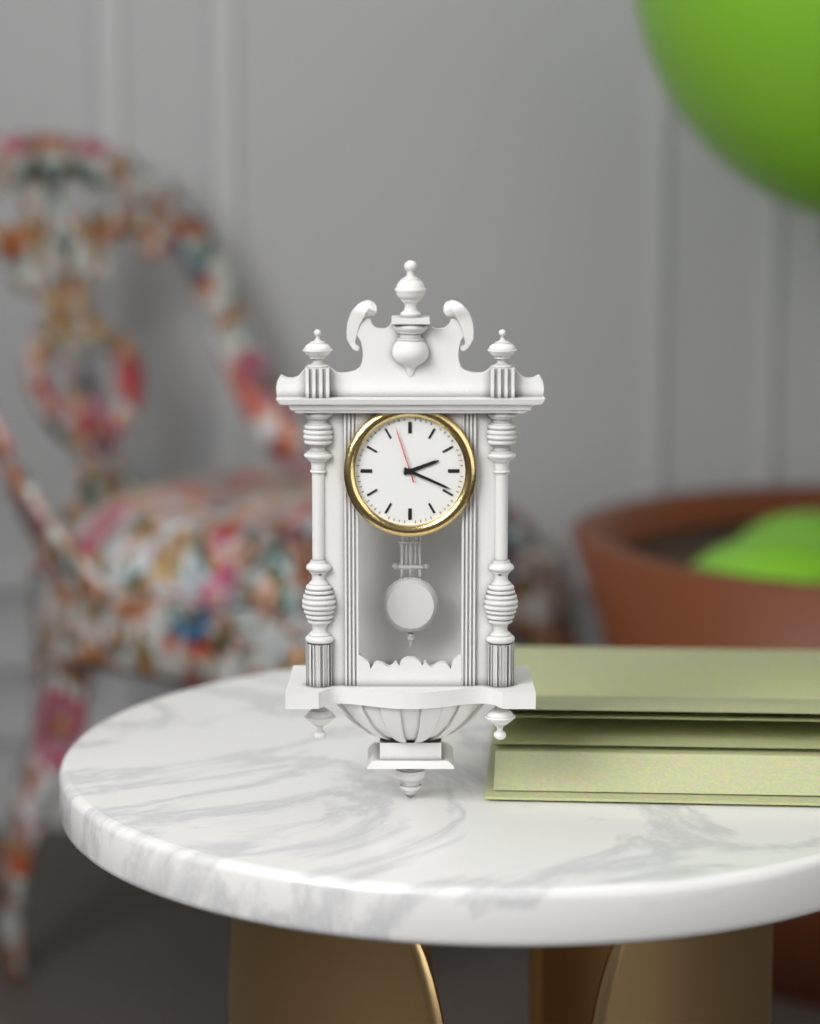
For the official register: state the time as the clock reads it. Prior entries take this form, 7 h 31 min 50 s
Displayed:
2 h 19 min 57 s
